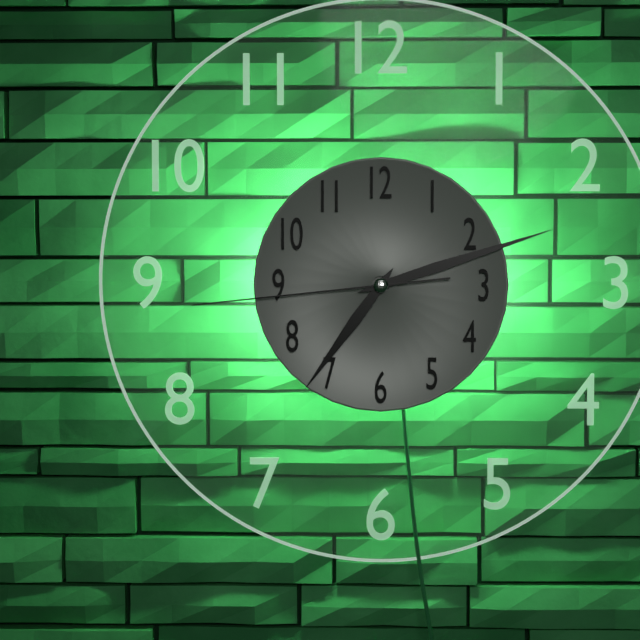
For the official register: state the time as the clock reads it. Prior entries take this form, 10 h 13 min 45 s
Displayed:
7 h 12 min 44 s
